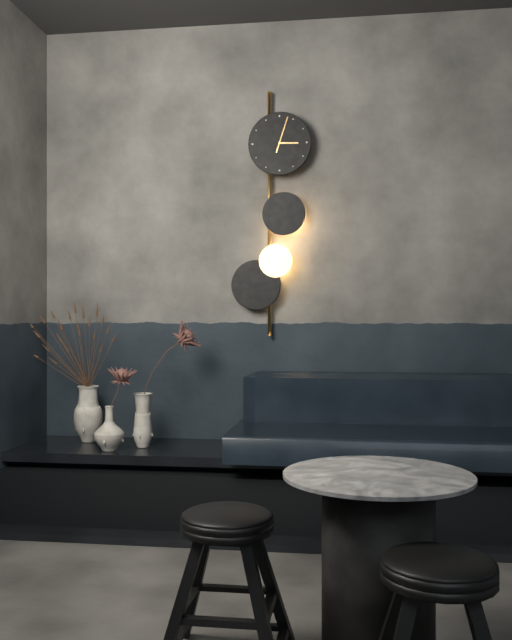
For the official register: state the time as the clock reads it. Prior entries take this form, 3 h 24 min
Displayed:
3 h 03 min
